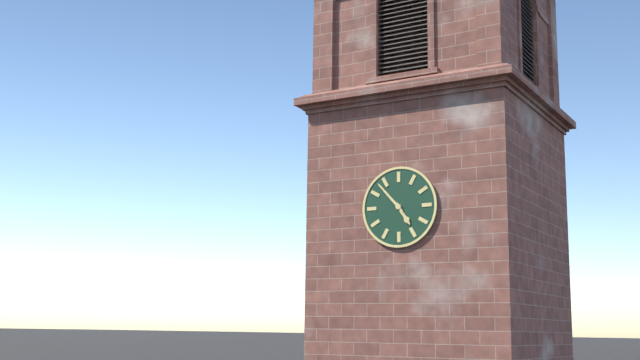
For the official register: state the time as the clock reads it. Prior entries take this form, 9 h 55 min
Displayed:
4 h 53 min
